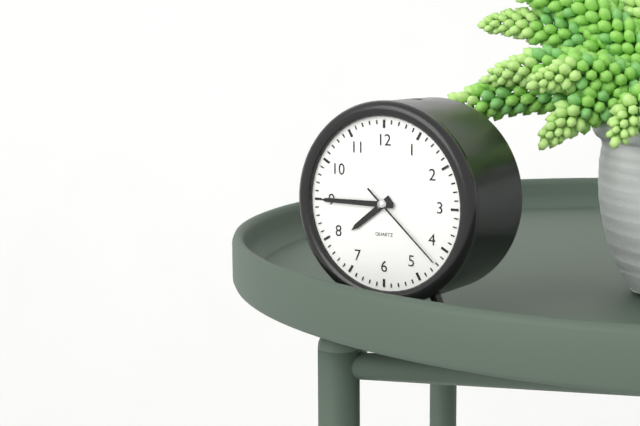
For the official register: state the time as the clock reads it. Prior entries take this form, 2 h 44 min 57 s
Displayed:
7 h 45 min 22 s
